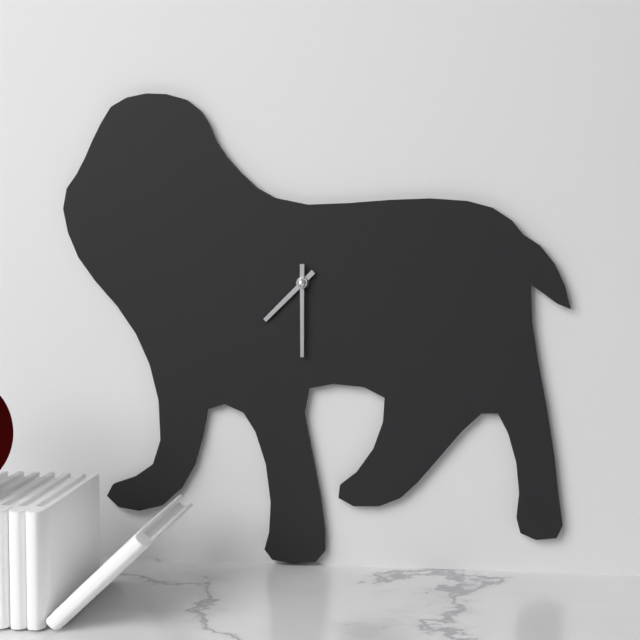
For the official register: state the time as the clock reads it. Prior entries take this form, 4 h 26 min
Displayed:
7 h 30 min
